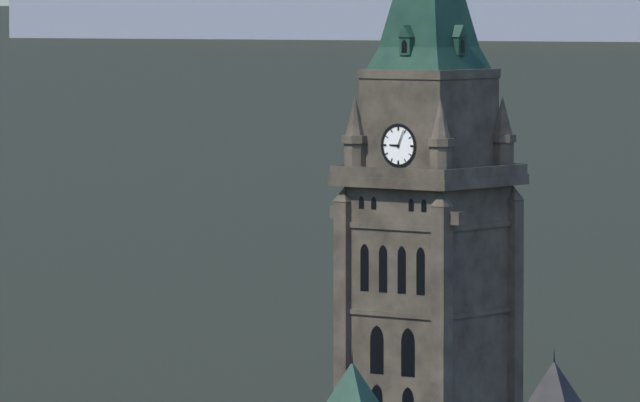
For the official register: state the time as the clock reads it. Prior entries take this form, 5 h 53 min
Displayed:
9 h 04 min
